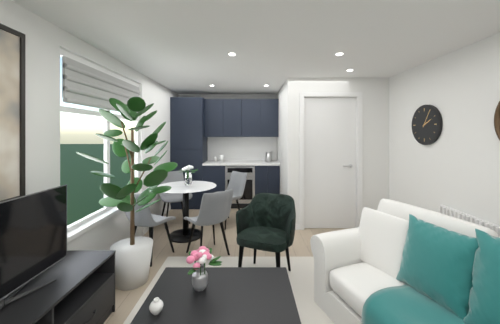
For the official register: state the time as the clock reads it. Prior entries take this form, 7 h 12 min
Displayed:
2 h 05 min
